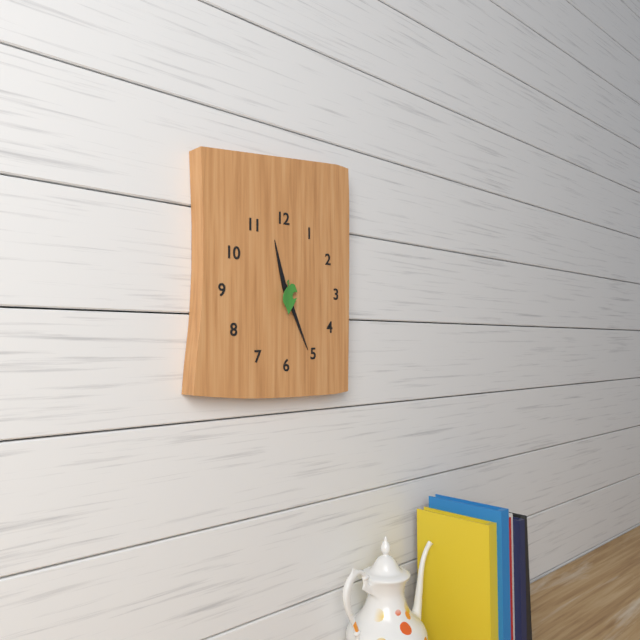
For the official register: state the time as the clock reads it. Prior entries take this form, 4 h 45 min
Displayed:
11 h 26 min
